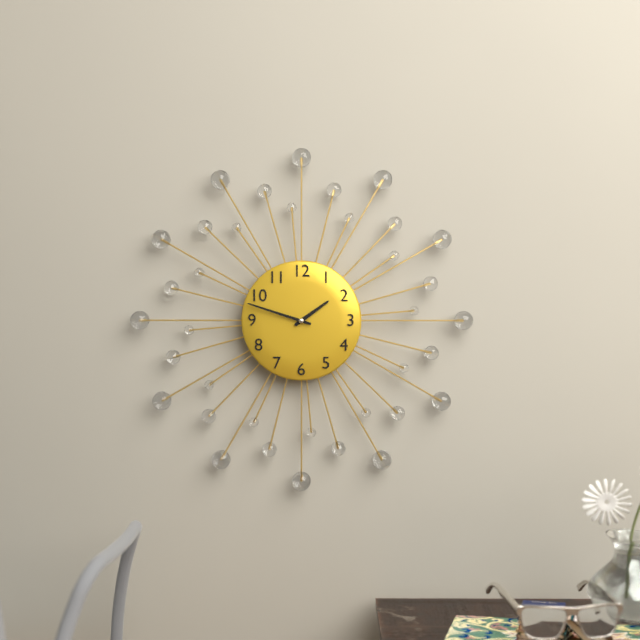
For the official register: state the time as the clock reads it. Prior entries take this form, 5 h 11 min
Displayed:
1 h 48 min
